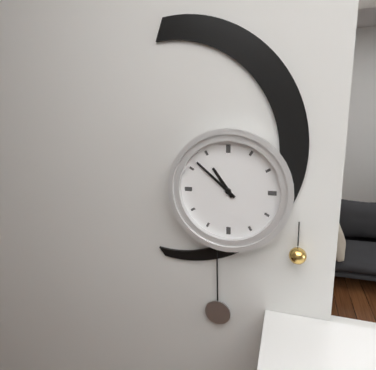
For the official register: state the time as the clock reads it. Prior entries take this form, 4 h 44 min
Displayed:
10 h 52 min
